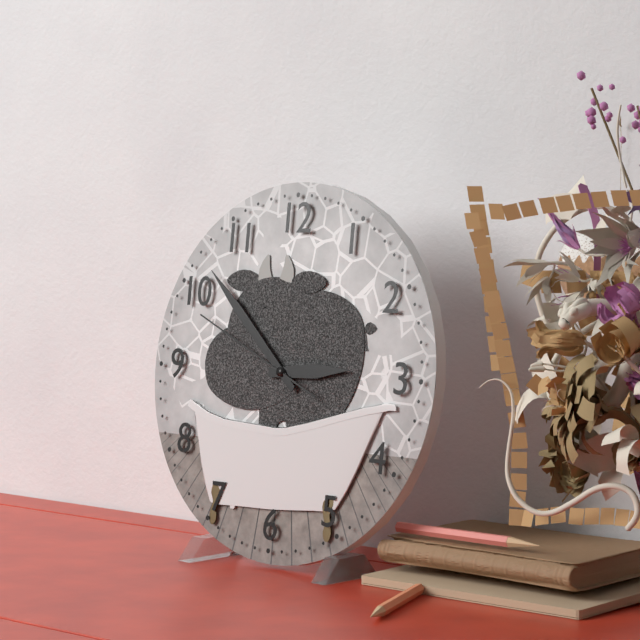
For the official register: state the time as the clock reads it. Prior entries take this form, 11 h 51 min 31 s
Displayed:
2 h 52 min 49 s
